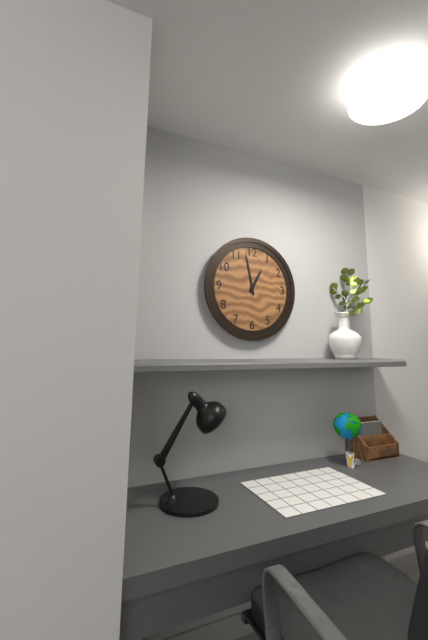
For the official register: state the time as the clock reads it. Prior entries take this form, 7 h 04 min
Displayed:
12 h 58 min
